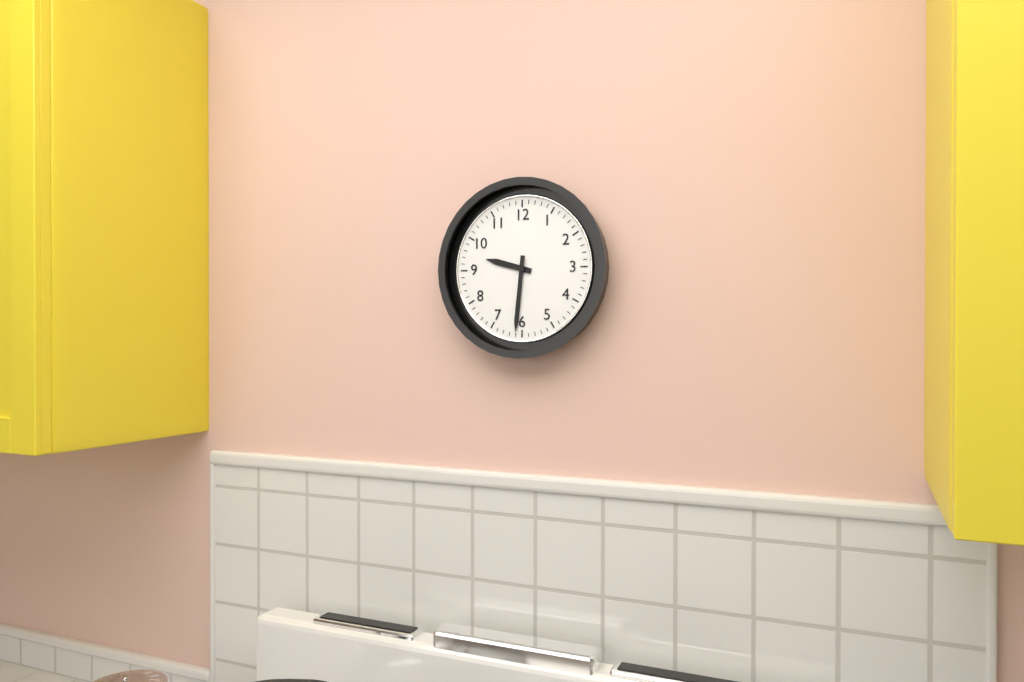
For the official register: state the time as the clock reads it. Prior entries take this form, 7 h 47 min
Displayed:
9 h 31 min
